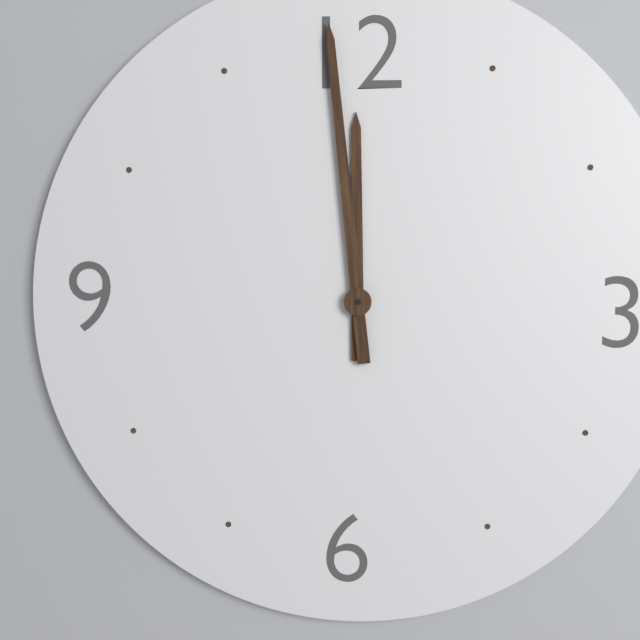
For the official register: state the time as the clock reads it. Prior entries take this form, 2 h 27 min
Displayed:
11 h 59 min
